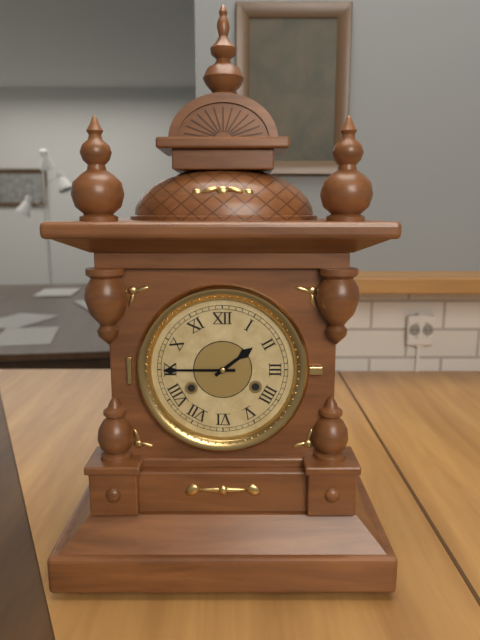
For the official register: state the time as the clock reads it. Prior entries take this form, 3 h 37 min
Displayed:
1 h 45 min
